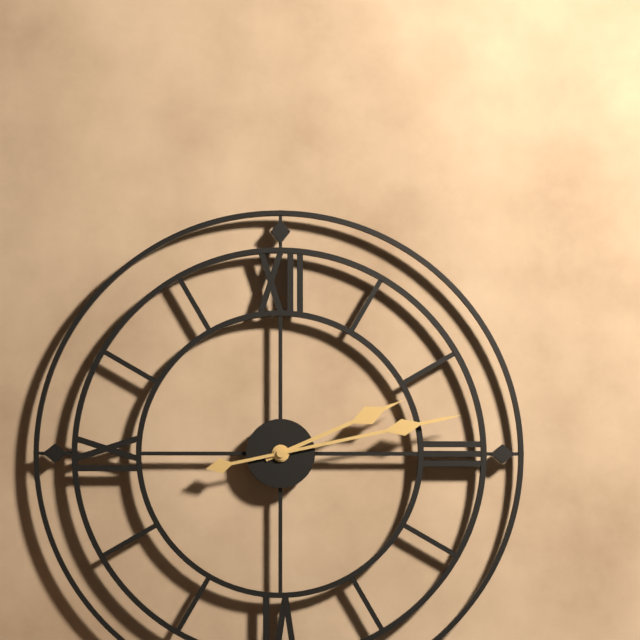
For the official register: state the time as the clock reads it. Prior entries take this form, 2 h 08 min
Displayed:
2 h 13 min
